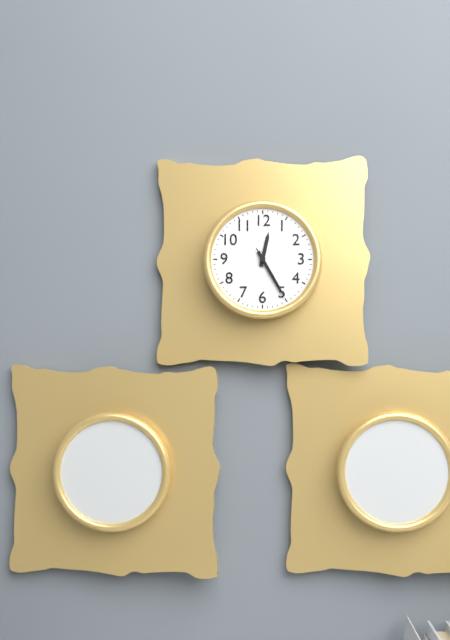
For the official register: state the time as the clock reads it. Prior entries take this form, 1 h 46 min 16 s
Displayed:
12 h 25 min 25 s
